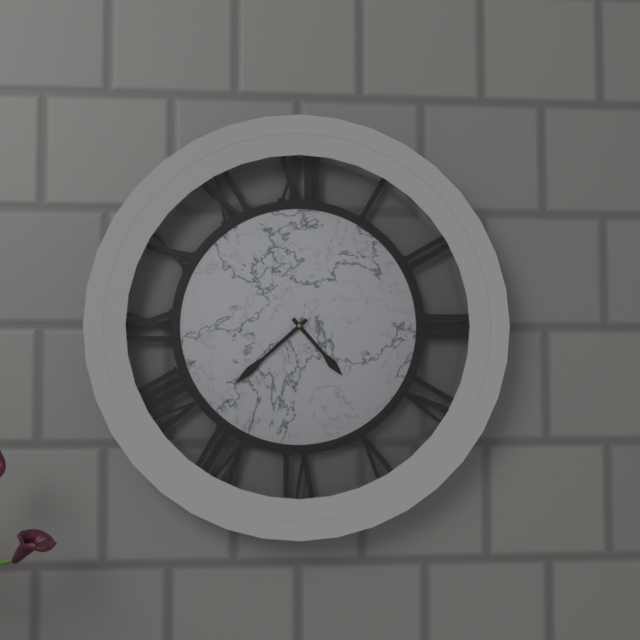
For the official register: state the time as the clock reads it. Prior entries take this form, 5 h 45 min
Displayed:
4 h 38 min
